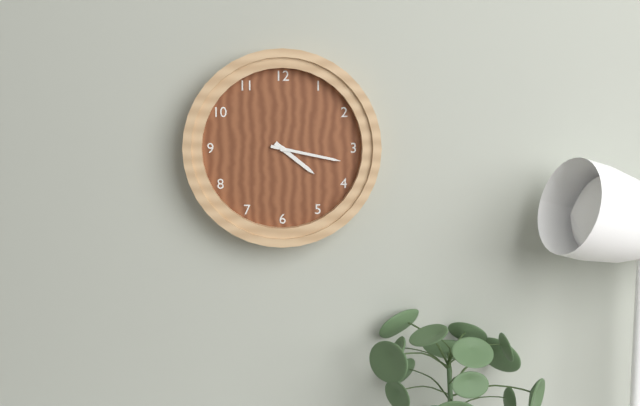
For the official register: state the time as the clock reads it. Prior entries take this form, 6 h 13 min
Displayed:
4 h 17 min
